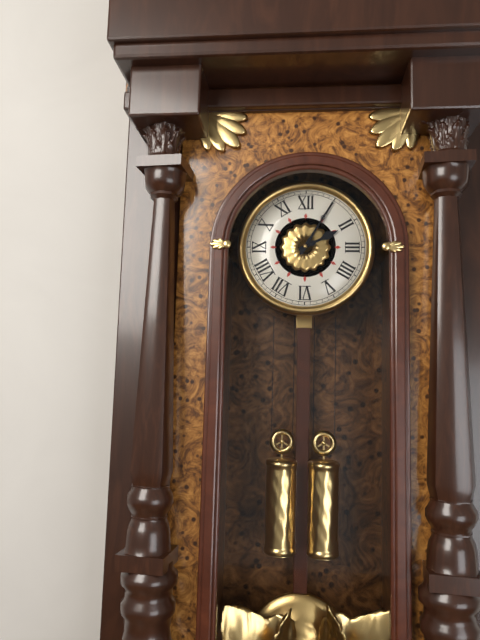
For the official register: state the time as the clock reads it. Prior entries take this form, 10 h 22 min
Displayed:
2 h 05 min
